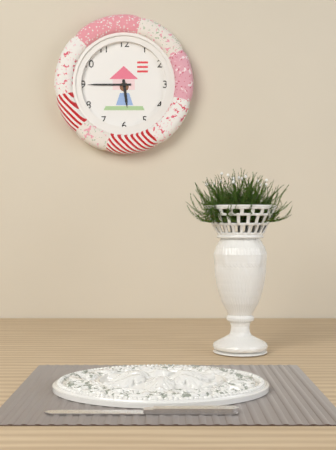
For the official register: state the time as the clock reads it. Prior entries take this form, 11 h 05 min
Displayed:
5 h 45 min
